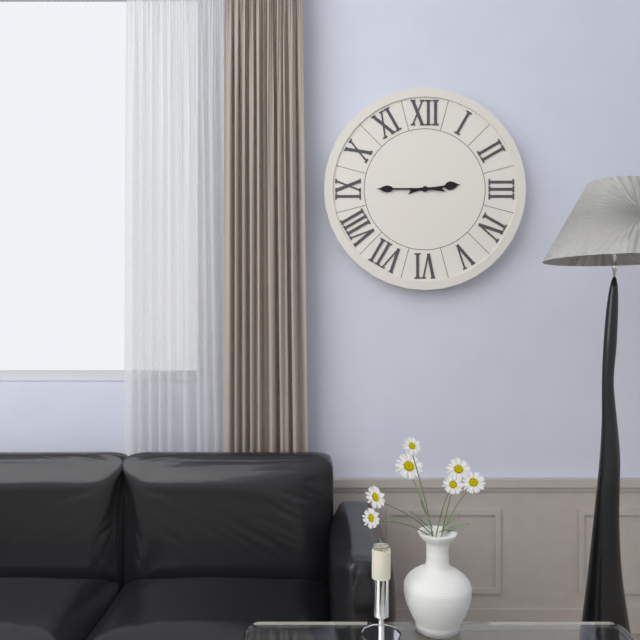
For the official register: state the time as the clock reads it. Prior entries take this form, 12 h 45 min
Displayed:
2 h 45 min
